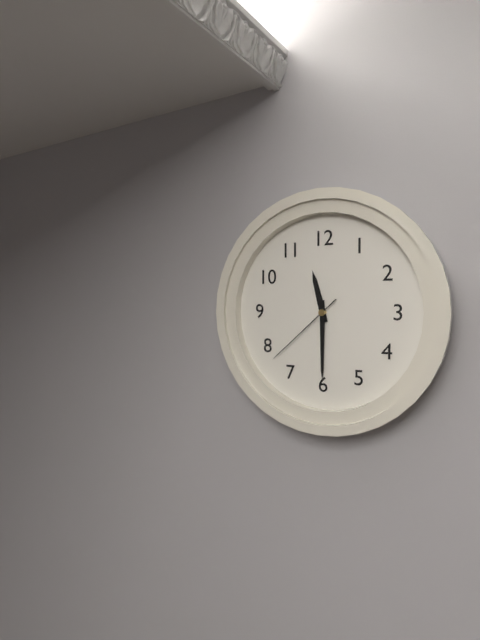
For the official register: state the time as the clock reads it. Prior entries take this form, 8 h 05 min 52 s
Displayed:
11 h 30 min 38 s
